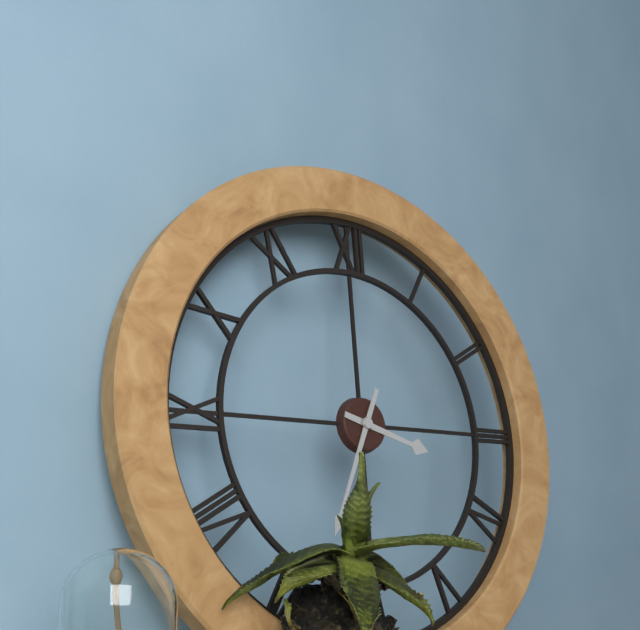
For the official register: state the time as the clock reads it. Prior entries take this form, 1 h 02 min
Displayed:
3 h 34 min
